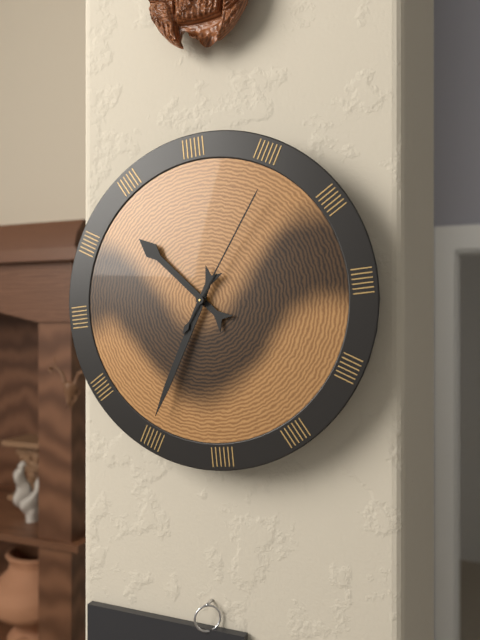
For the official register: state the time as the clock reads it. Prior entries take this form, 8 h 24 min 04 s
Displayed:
10 h 35 min 06 s
